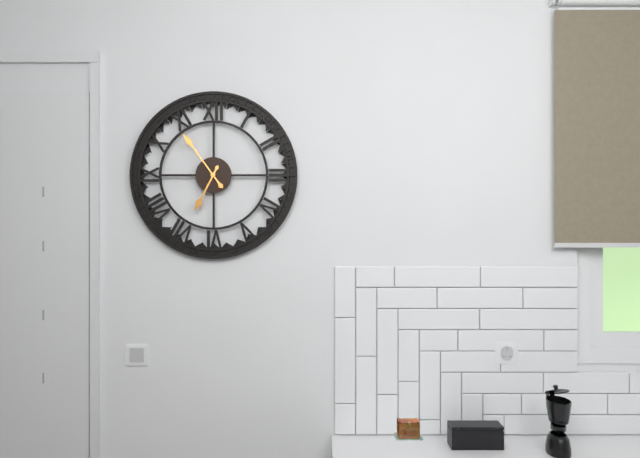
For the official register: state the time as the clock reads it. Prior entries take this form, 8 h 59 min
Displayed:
6 h 54 min
